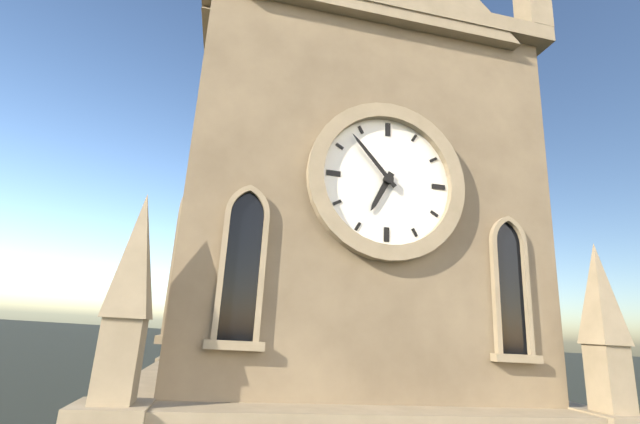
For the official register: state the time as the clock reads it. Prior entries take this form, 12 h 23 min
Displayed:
6 h 53 min
